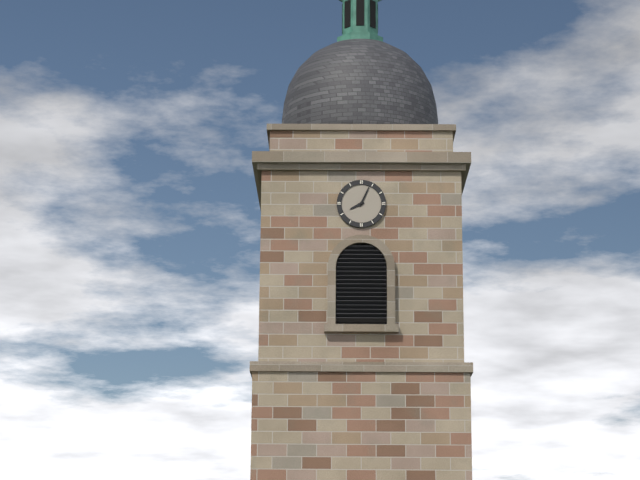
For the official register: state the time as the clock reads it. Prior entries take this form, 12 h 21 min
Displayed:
8 h 04 min
